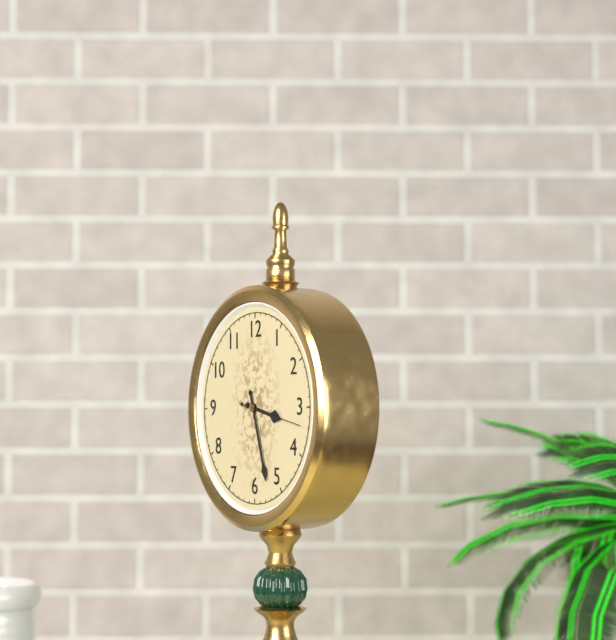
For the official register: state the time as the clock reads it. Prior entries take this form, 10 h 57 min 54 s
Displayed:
3 h 27 min 17 s
